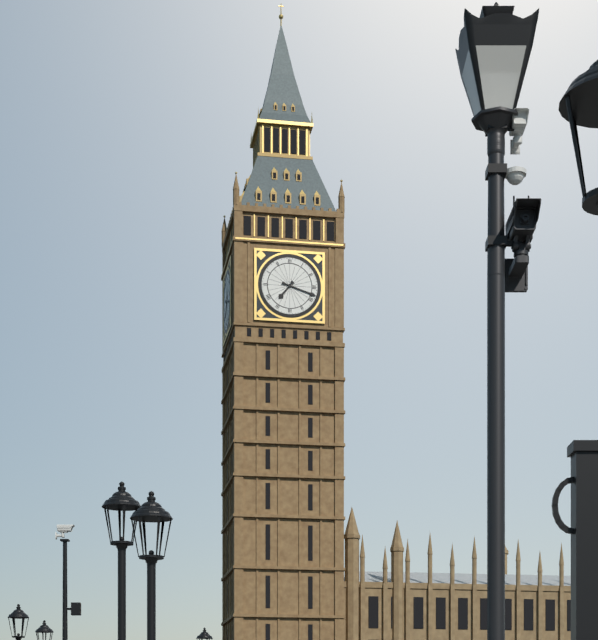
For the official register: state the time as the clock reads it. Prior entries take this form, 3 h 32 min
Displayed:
7 h 18 min
